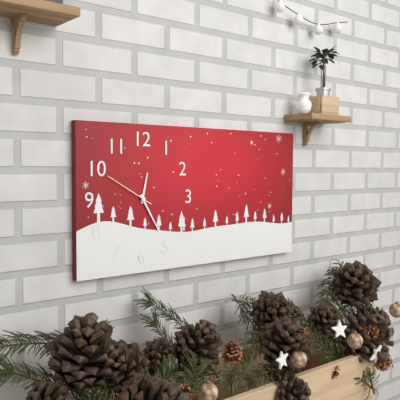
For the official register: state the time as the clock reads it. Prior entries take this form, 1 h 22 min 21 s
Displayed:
12 h 25 min 50 s
